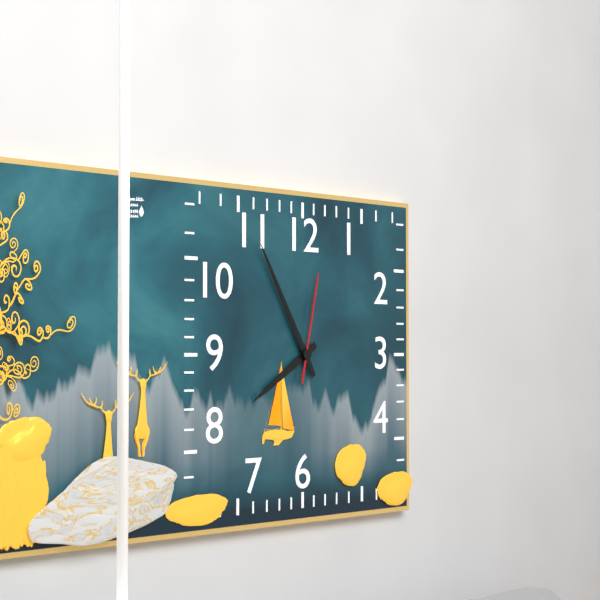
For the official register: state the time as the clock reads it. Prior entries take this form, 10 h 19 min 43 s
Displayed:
7 h 55 min 02 s
